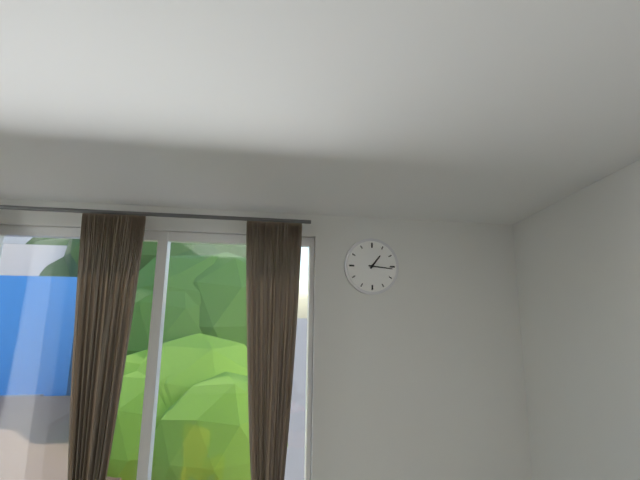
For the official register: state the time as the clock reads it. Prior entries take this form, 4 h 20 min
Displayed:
1 h 16 min
